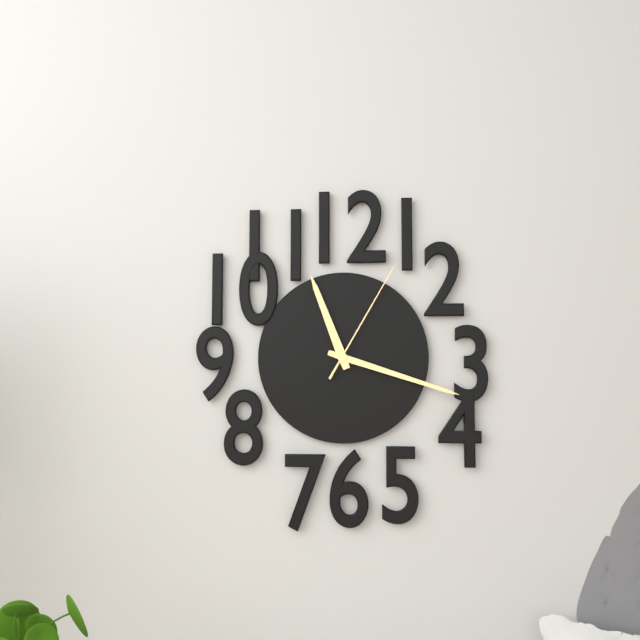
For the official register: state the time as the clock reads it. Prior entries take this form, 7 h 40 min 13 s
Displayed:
11 h 18 min 05 s
